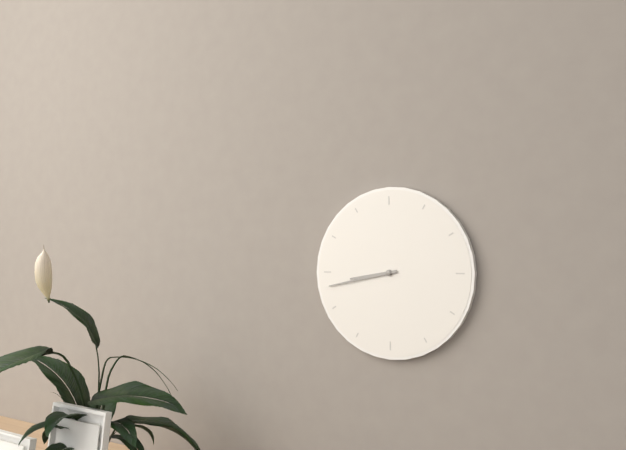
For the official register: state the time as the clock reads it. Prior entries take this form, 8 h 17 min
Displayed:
8 h 43 min
